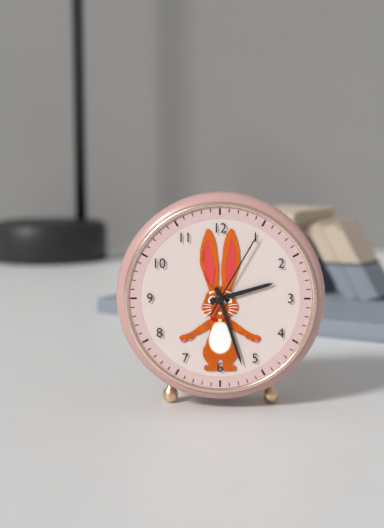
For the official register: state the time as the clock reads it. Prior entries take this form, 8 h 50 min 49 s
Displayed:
2 h 27 min 05 s
